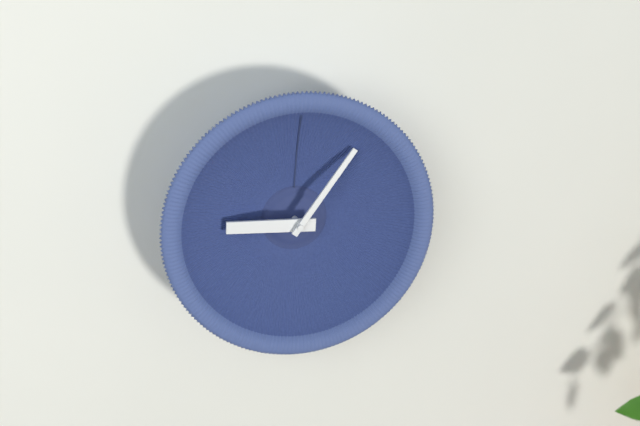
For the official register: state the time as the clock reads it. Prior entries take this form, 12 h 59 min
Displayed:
9 h 06 min
